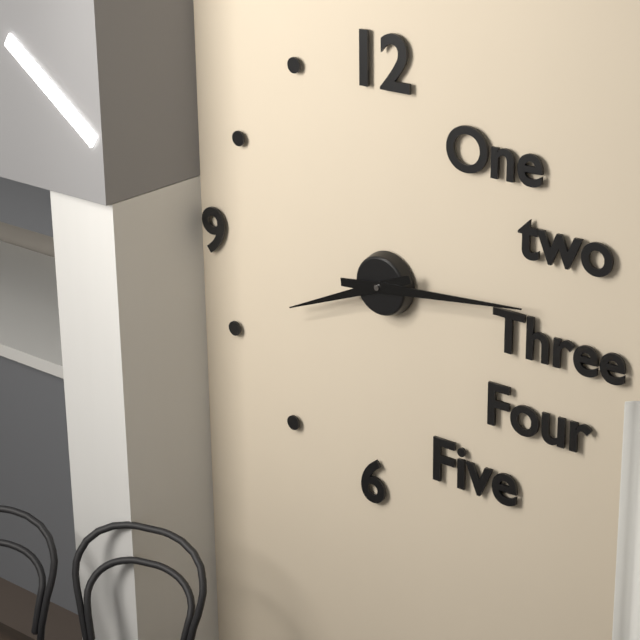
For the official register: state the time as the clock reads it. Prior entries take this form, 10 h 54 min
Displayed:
8 h 14 min
